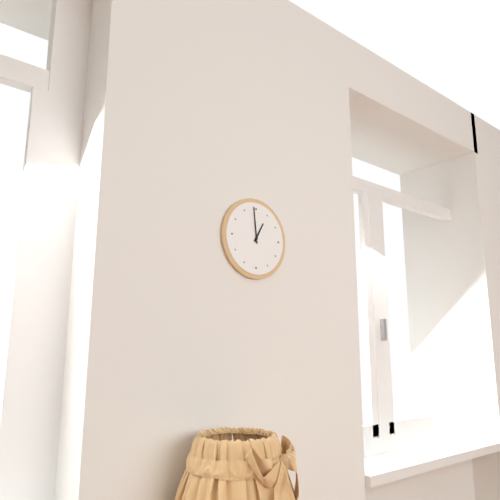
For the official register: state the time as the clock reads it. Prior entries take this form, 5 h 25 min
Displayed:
12 h 59 min
